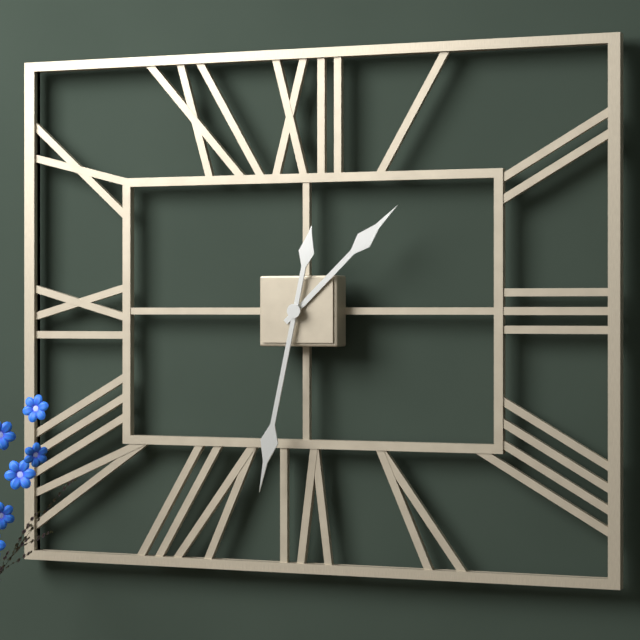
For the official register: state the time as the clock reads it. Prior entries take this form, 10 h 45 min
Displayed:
1 h 32 min
